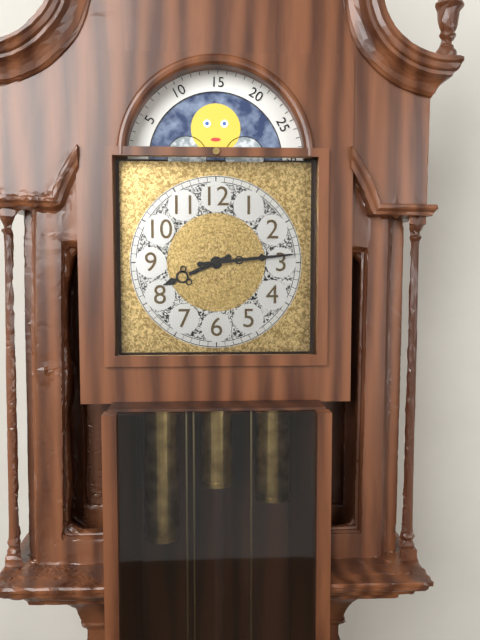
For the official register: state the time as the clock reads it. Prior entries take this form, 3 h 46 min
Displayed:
8 h 14 min
